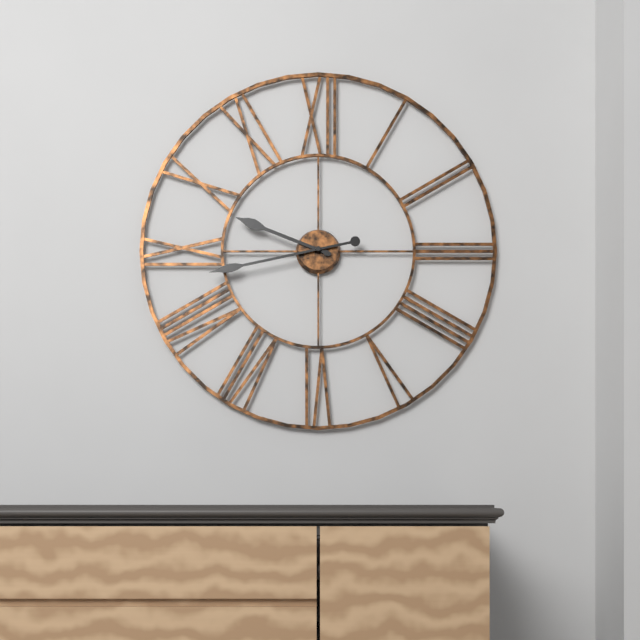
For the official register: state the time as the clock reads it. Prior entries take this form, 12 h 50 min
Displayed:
9 h 43 min
